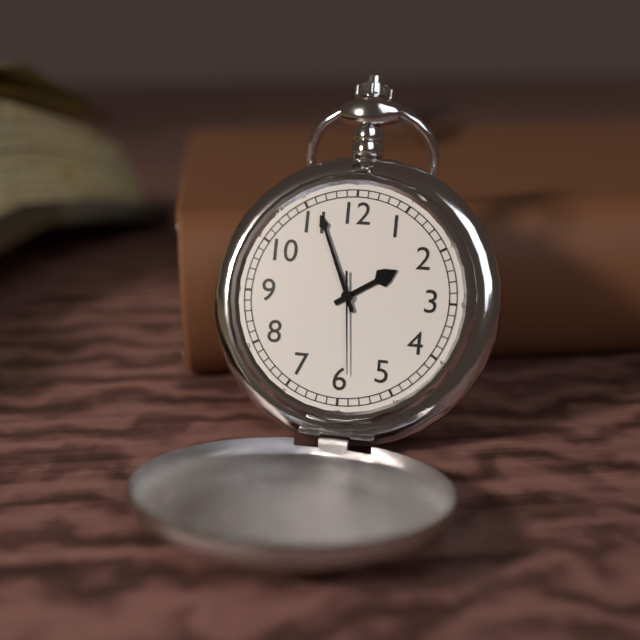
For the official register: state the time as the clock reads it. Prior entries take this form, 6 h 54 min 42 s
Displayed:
1 h 56 min 29 s
